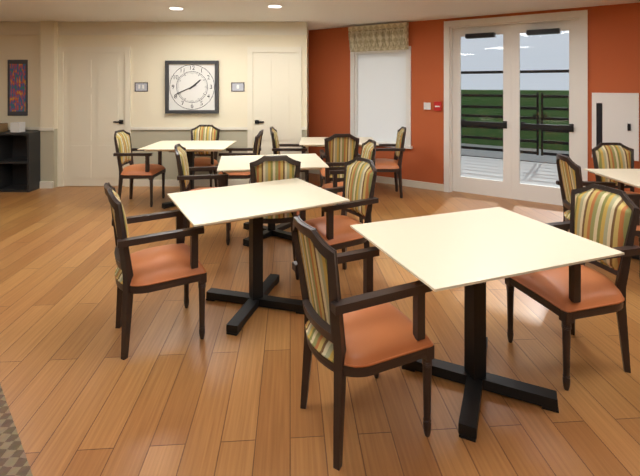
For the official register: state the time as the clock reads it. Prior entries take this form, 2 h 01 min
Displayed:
1 h 41 min
